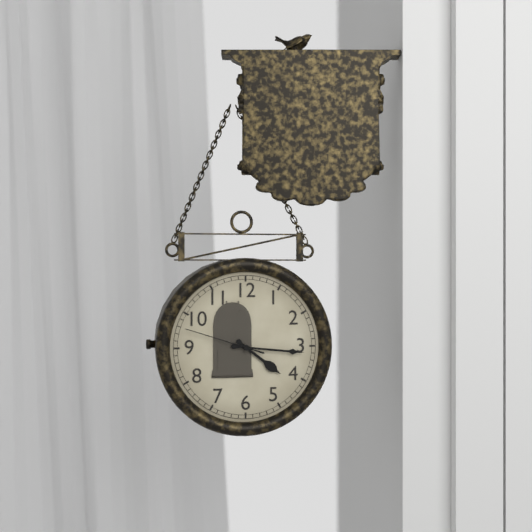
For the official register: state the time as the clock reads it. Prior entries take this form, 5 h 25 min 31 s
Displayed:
4 h 16 min 48 s
